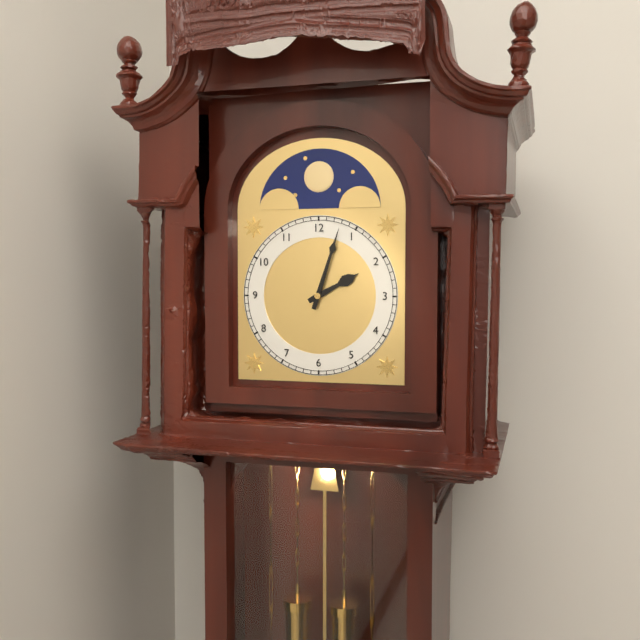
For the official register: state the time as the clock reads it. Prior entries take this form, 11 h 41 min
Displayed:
2 h 03 min
